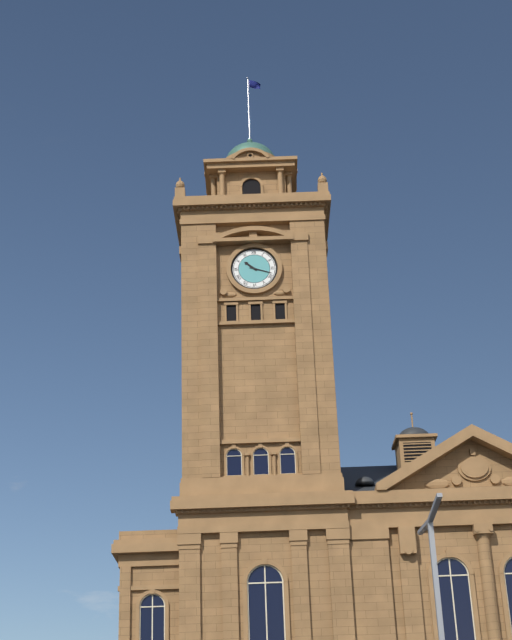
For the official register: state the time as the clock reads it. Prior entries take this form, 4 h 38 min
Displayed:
10 h 18 min
